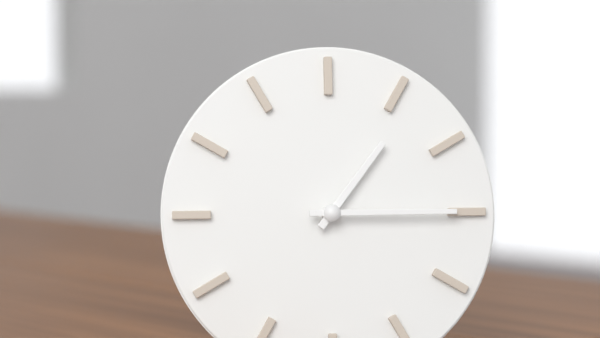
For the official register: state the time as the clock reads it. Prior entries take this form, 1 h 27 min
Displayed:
1 h 15 min
